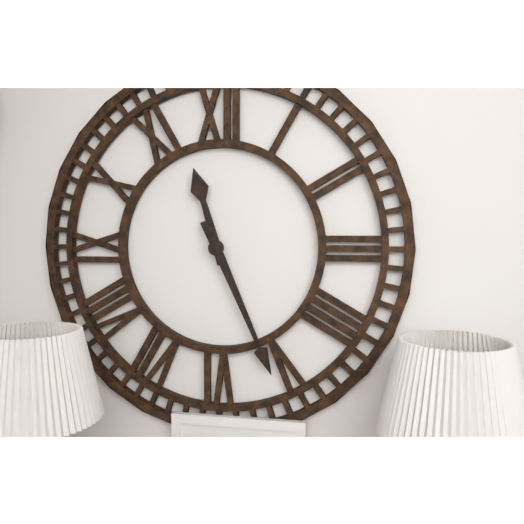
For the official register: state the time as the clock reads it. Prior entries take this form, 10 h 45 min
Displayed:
11 h 26 min
